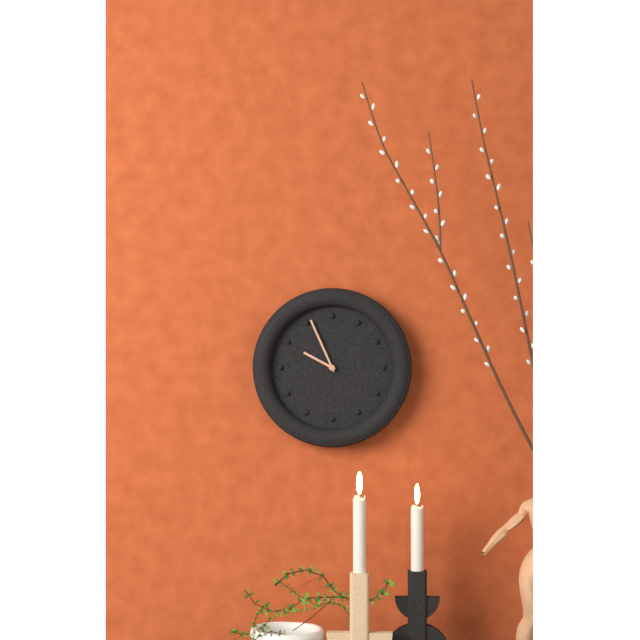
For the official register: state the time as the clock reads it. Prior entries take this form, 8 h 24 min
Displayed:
9 h 56 min
